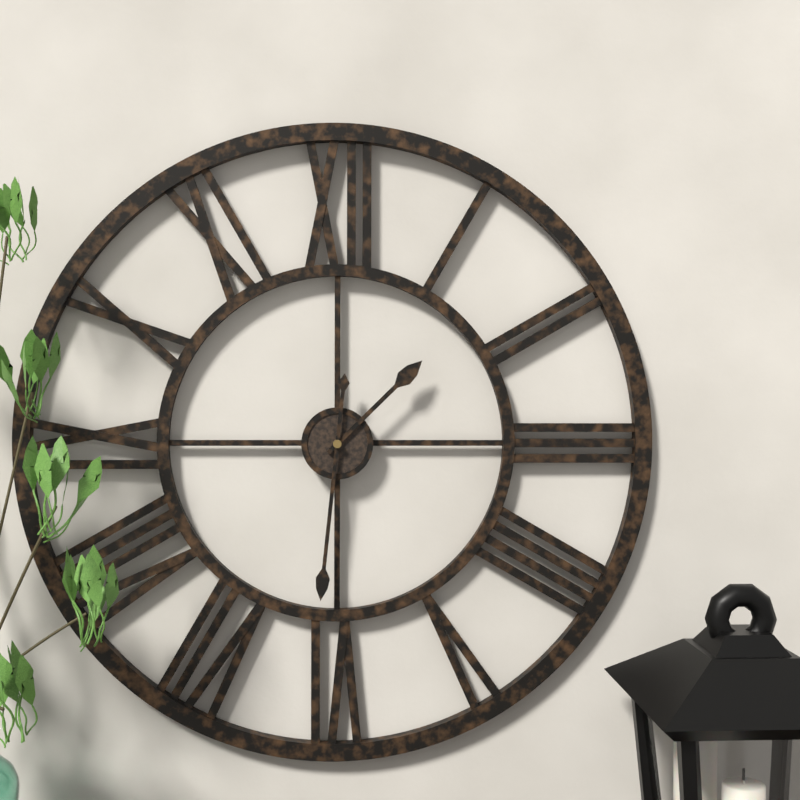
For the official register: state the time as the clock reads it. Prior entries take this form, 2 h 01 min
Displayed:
1 h 31 min
